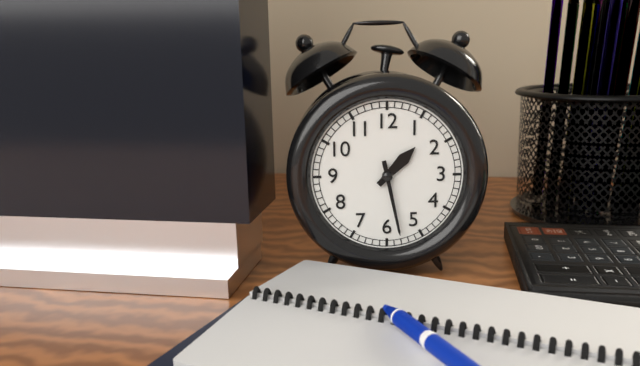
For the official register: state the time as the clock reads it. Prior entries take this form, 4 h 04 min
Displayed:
1 h 28 min
